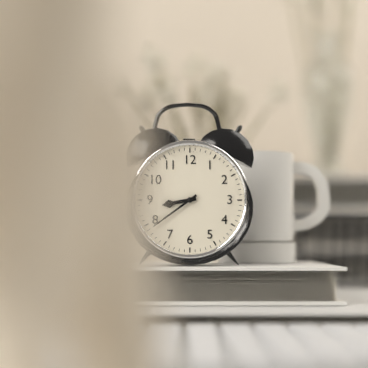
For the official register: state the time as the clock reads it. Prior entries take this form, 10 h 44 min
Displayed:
8 h 39 min
